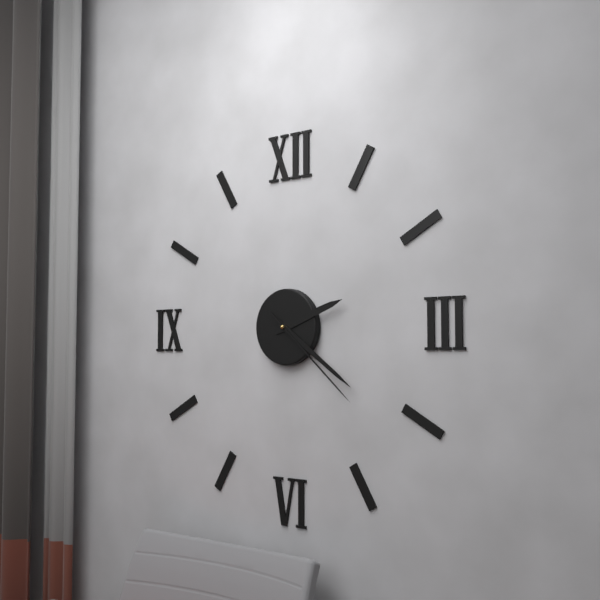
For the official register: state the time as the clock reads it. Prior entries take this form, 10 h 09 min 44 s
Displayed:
2 h 21 min 22 s
